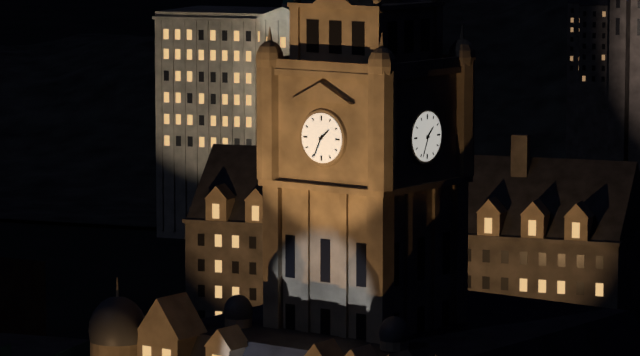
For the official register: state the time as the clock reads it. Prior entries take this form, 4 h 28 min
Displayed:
1 h 34 min
